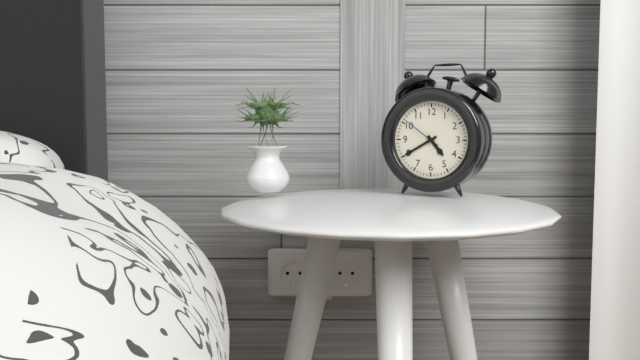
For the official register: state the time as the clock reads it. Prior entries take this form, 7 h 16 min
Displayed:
4 h 40 min
